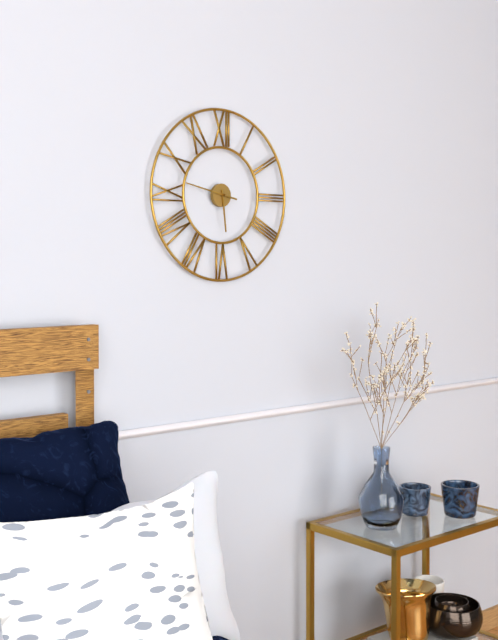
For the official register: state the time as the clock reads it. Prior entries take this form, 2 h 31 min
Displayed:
5 h 47 min
